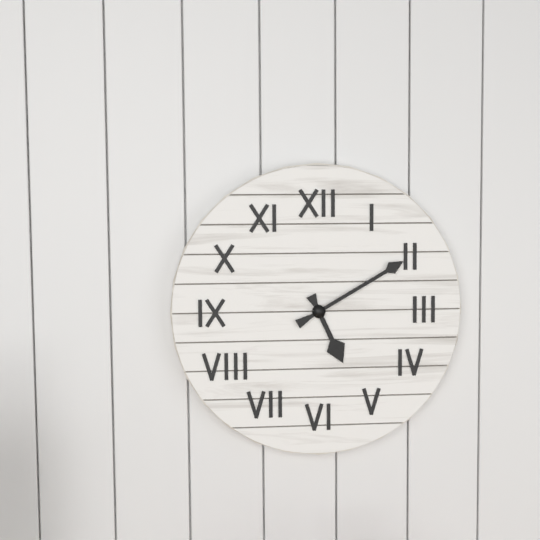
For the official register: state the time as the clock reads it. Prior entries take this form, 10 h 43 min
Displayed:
5 h 10 min
